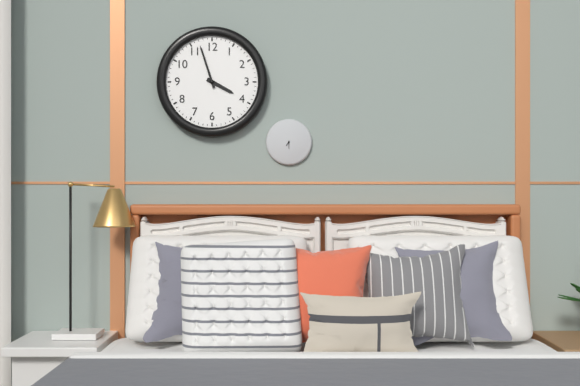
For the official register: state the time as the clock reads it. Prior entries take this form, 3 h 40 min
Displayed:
3 h 57 min
